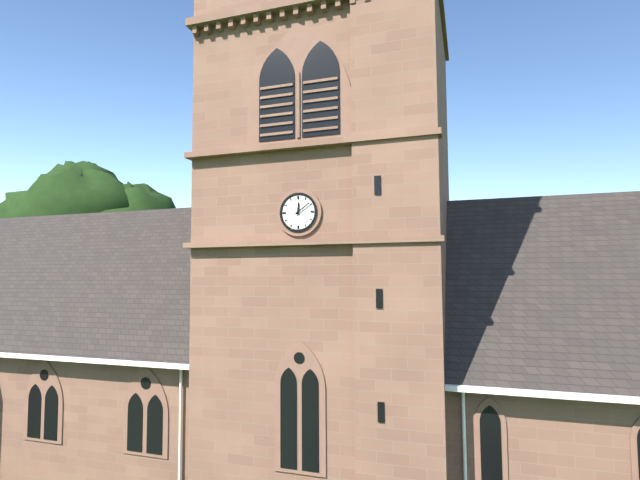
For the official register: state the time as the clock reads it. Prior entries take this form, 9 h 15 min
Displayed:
12 h 09 min
